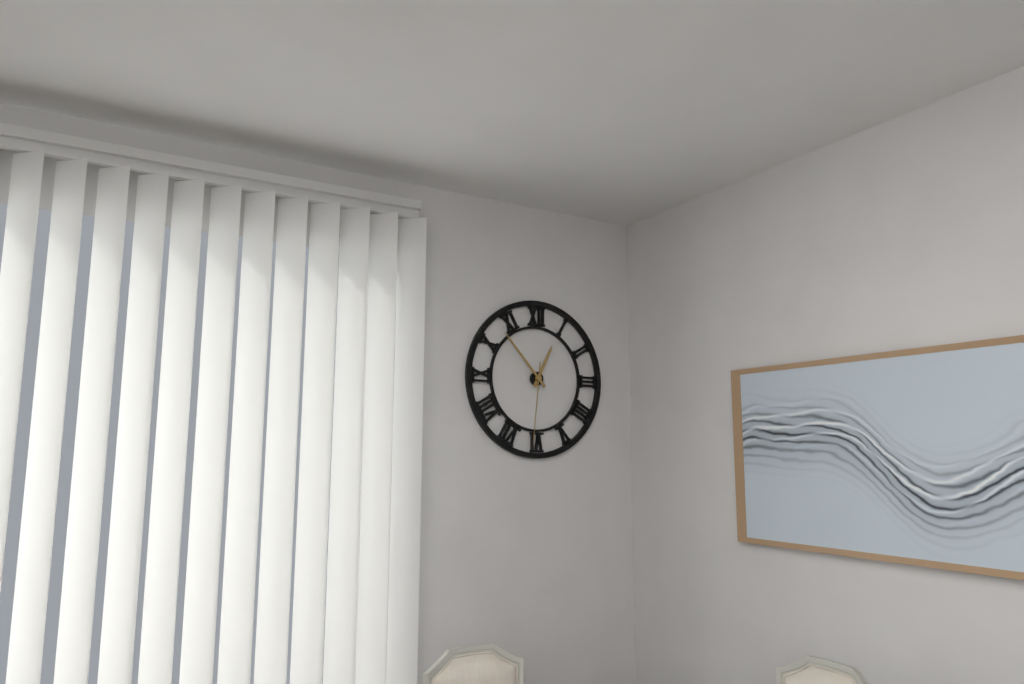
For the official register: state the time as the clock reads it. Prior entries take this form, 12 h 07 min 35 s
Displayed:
12 h 53 min 31 s
